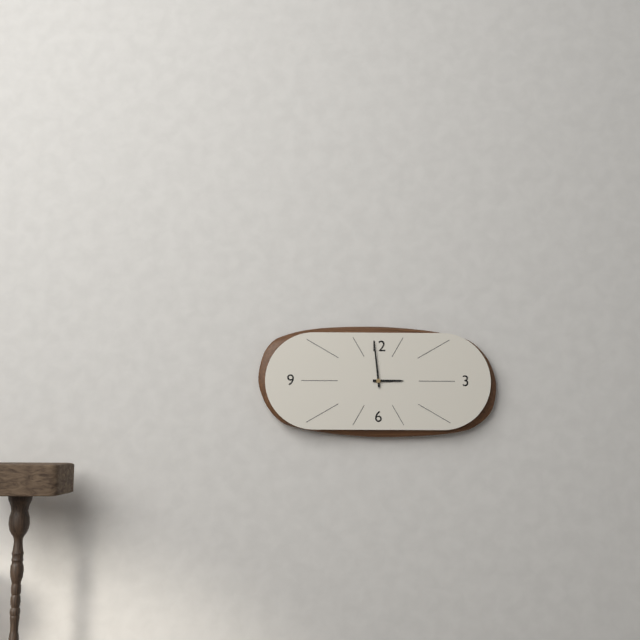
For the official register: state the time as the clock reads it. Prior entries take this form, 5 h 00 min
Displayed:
2 h 59 min
